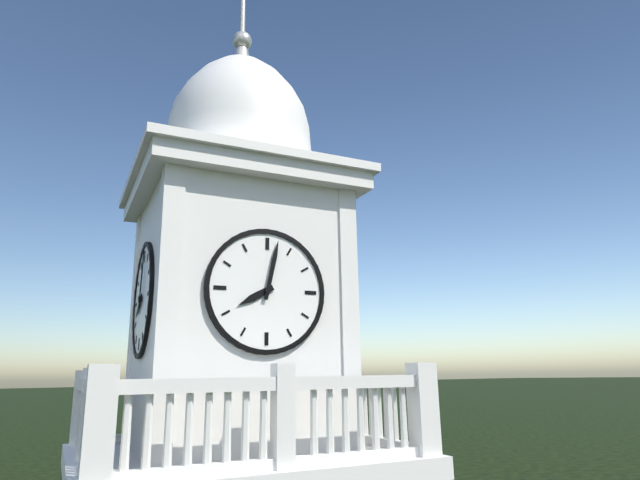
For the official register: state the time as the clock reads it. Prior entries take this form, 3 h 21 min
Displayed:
8 h 02 min
